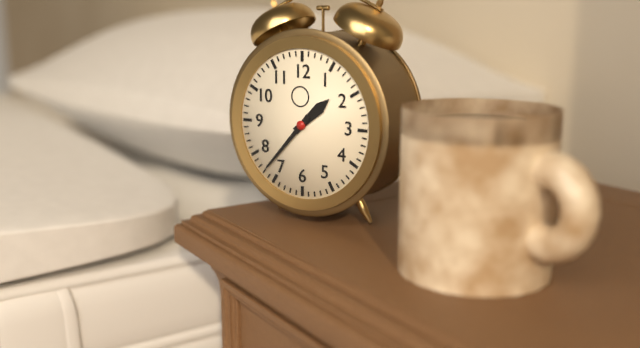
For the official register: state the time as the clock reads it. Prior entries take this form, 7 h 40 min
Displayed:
1 h 37 min
